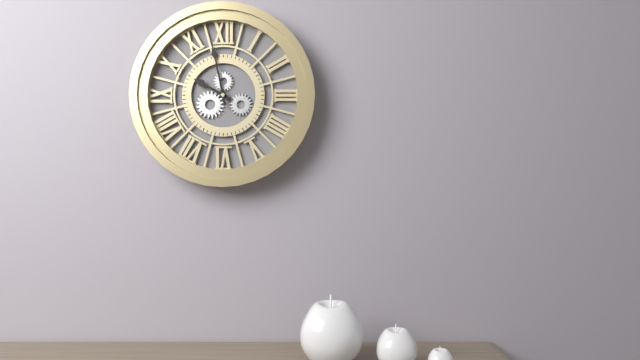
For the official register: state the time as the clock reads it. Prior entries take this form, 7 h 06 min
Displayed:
9 h 58 min
